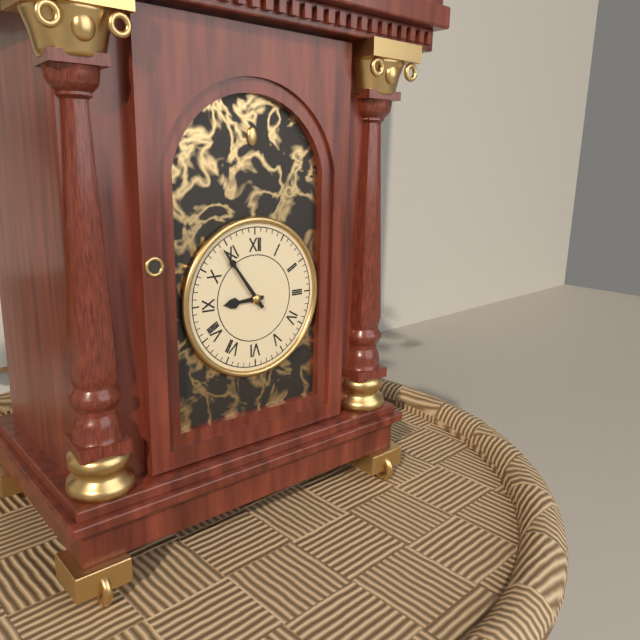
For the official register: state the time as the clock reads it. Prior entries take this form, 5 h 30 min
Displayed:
8 h 54 min
